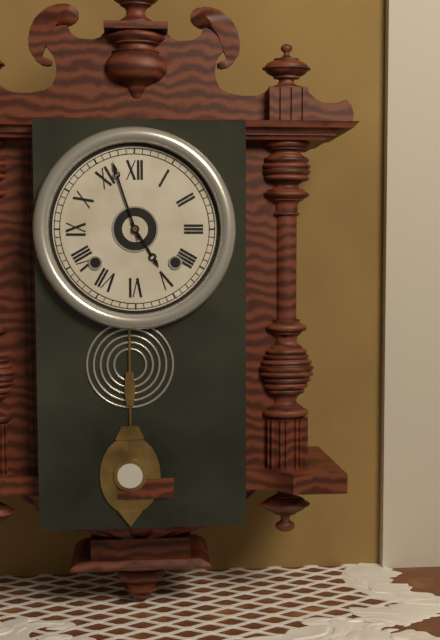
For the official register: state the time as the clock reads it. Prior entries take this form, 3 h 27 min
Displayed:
4 h 57 min
